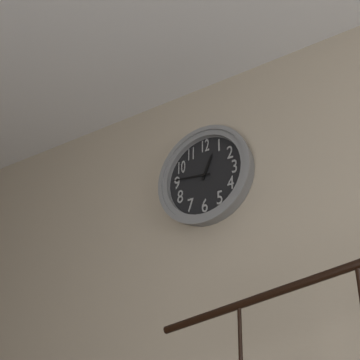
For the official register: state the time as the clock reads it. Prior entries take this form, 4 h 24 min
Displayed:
12 h 46 min
